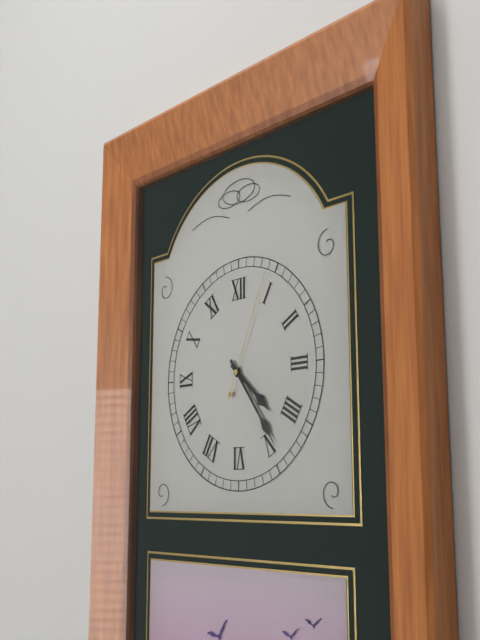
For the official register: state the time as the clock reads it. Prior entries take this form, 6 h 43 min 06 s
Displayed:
4 h 24 min 04 s
